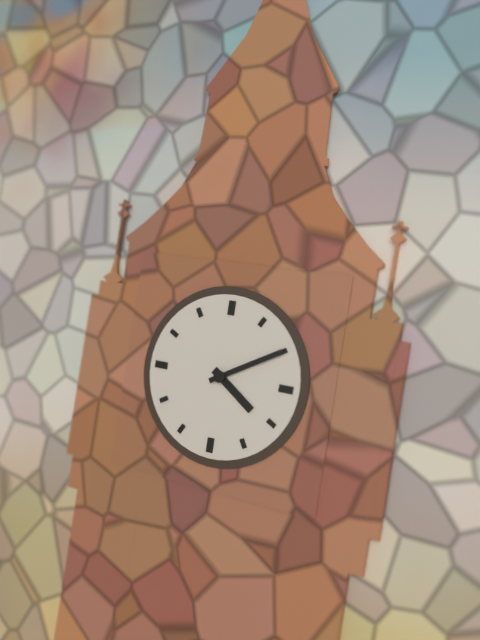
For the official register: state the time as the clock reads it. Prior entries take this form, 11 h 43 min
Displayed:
4 h 10 min
